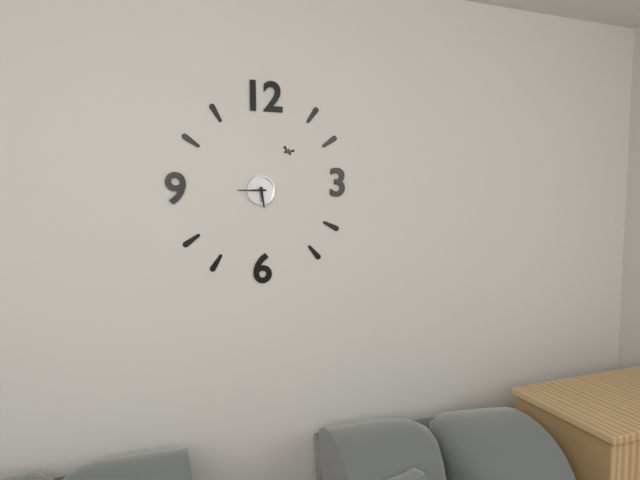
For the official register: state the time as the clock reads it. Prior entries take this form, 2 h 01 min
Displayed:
5 h 45 min
